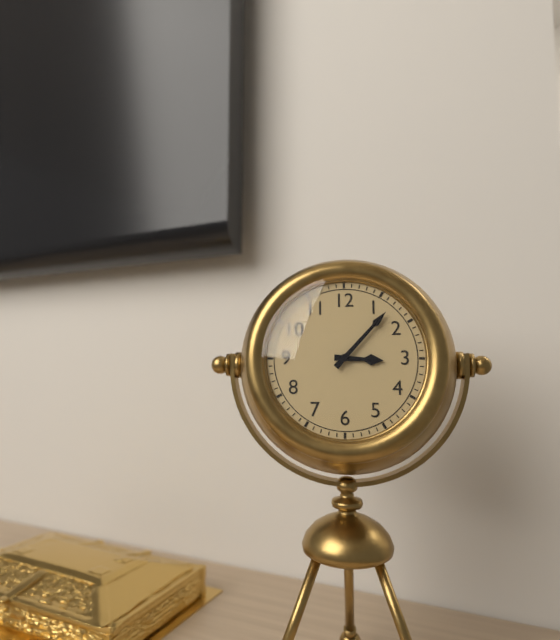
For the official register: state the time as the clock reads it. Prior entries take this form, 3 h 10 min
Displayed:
3 h 07 min
